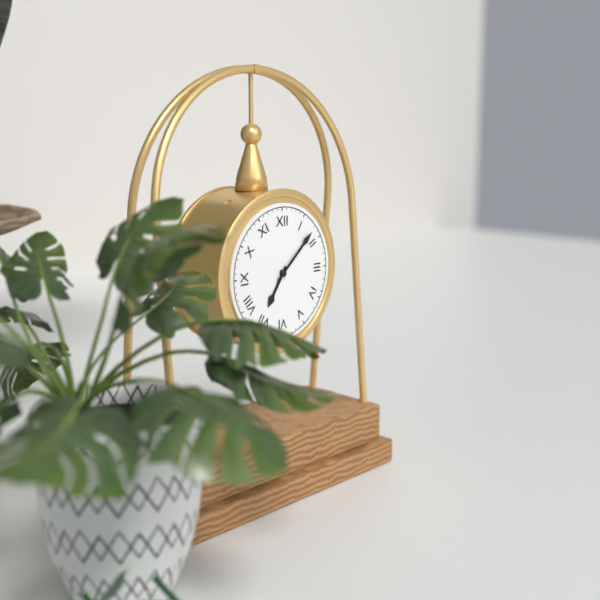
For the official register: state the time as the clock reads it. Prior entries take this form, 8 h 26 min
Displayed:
7 h 08 min
